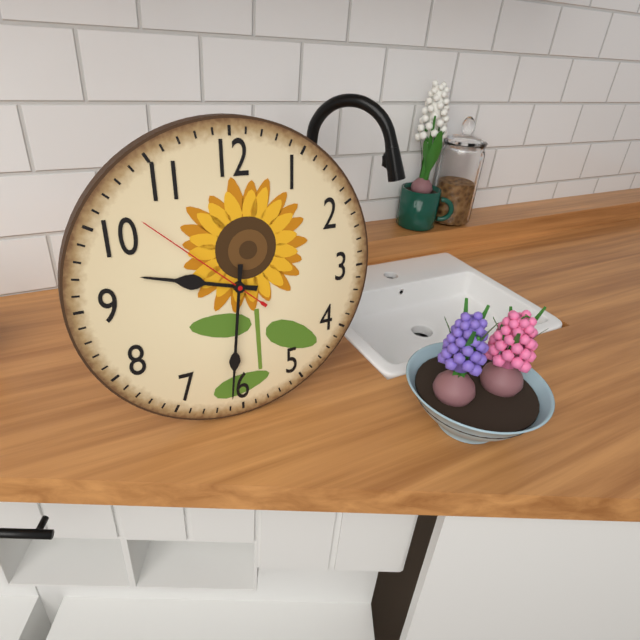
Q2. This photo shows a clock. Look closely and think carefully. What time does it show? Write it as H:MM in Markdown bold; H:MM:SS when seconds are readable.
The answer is **9:31:52**
